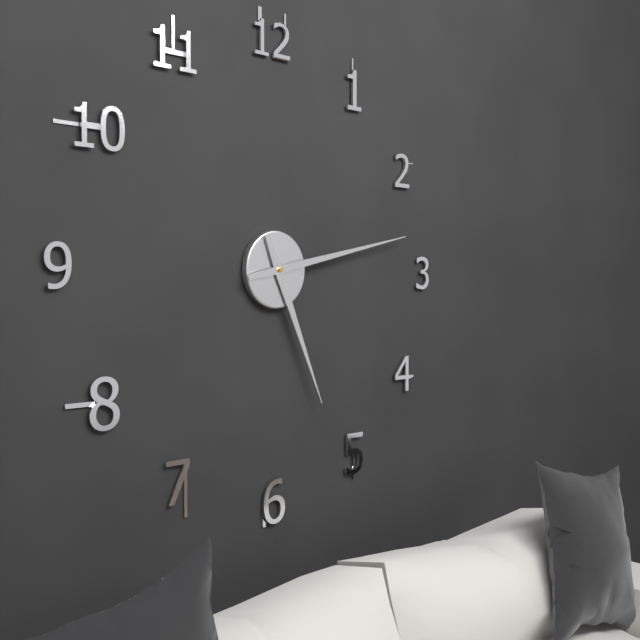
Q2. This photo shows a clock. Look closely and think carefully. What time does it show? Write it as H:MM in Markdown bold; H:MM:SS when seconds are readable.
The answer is **5:13**
